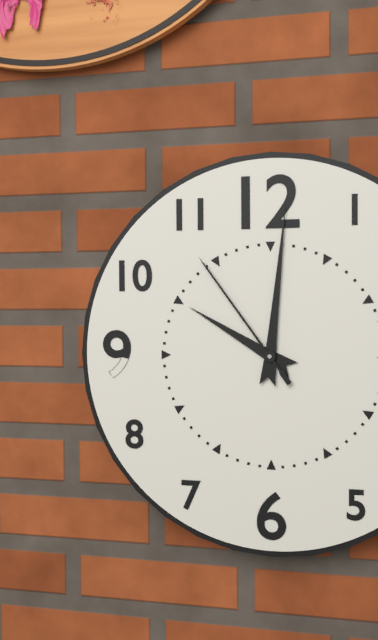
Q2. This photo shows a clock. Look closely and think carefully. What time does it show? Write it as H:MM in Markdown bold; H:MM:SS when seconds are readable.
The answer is **10:01:54**
